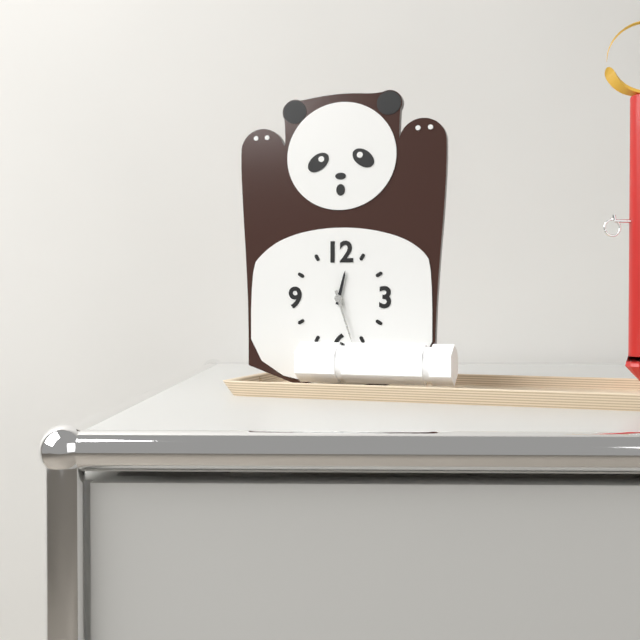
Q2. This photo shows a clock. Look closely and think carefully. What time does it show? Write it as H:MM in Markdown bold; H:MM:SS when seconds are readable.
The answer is **12:27**
